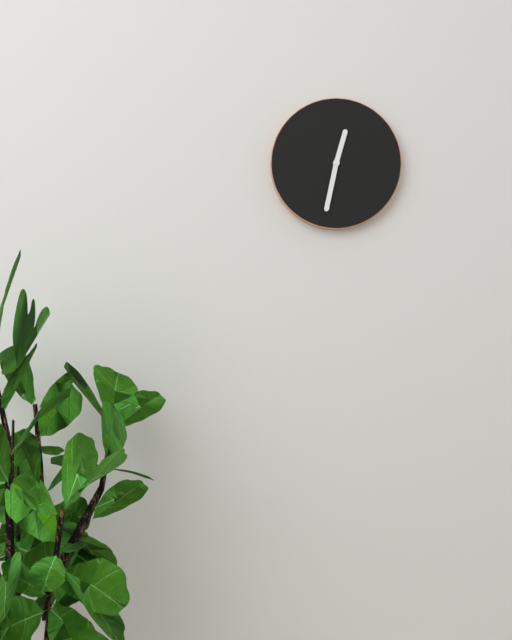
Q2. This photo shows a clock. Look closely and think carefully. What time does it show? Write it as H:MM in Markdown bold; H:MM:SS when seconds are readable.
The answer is **12:32**
